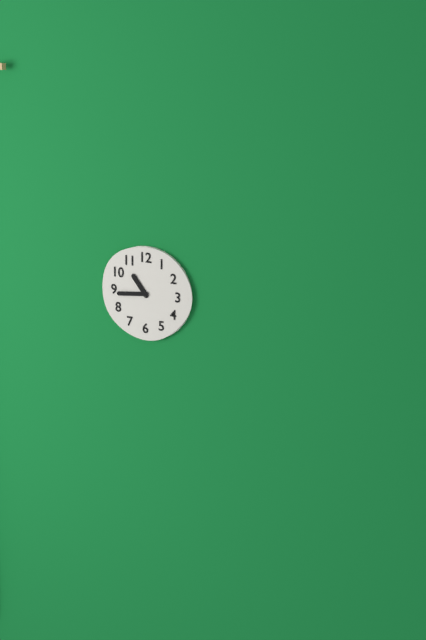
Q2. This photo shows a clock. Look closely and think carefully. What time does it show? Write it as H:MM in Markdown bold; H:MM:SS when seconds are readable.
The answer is **10:44**
